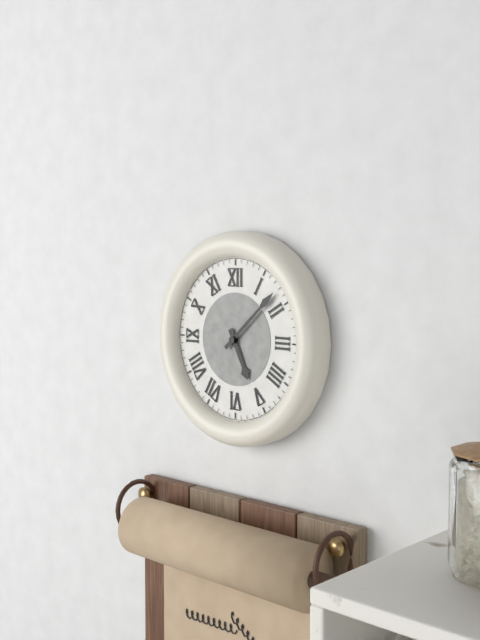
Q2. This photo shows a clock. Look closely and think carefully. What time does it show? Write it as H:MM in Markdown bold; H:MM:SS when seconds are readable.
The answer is **5:08**
